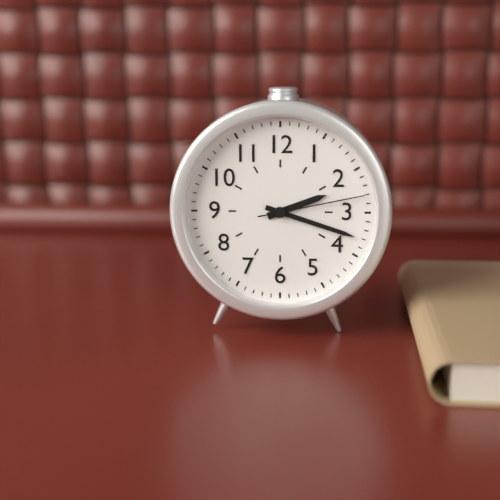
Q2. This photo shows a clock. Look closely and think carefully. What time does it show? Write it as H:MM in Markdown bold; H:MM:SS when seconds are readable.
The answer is **2:18:13**
